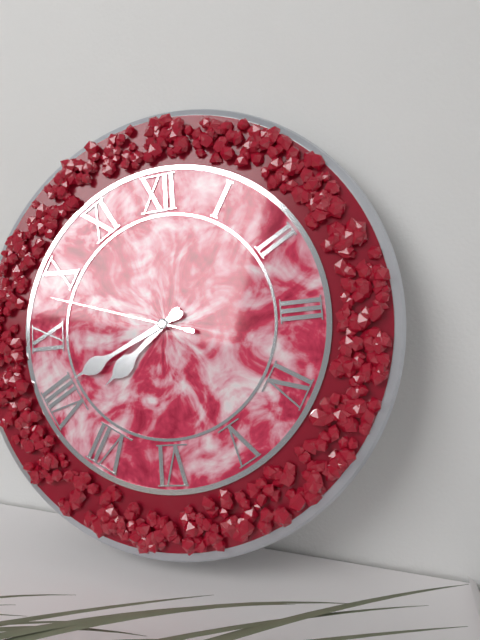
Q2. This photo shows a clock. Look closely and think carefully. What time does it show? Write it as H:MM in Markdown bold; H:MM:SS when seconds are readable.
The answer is **7:41:48**
